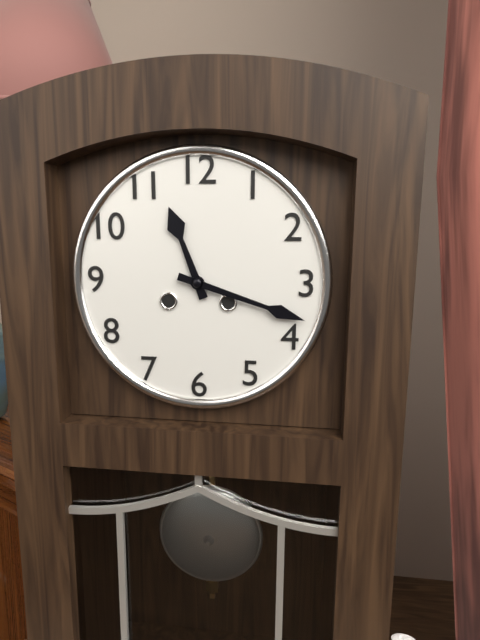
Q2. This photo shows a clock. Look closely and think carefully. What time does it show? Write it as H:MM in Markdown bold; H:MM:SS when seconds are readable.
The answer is **11:18**
